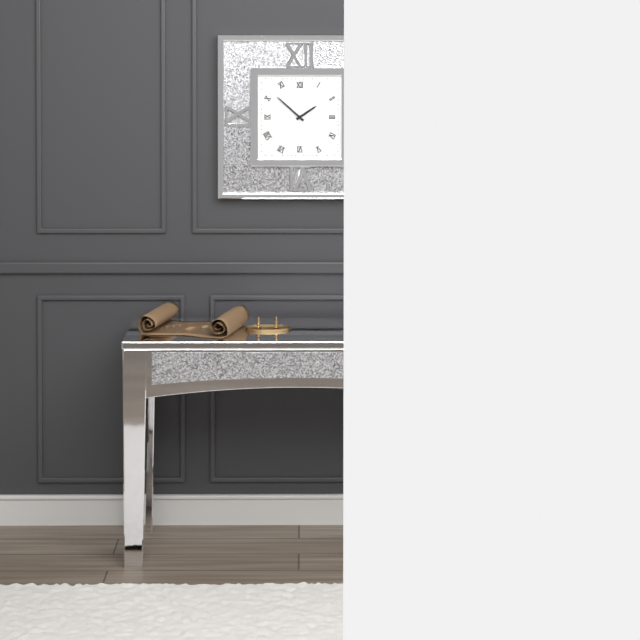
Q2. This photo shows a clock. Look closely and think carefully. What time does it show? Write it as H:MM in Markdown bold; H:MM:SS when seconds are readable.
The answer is **1:52**
